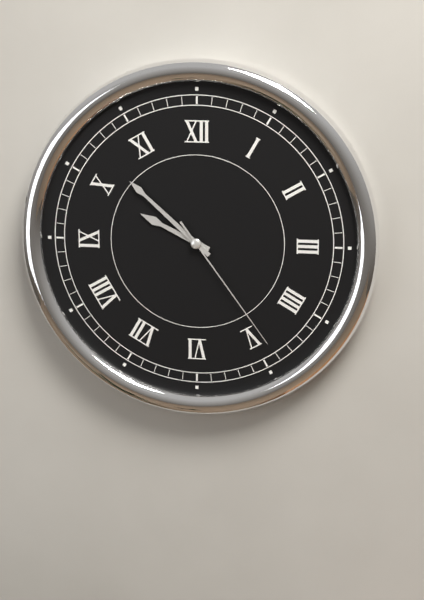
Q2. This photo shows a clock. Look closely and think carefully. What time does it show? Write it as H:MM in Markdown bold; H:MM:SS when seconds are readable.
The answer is **9:52:24**
